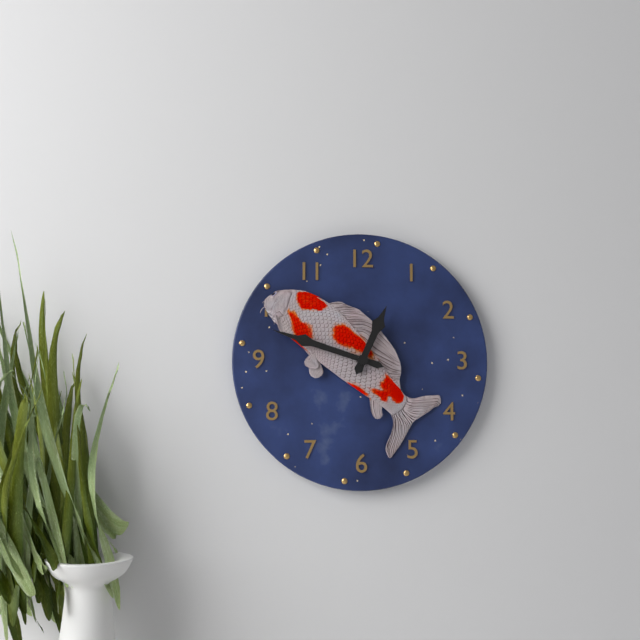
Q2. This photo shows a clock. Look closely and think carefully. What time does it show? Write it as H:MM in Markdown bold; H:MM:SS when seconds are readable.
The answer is **12:48**
